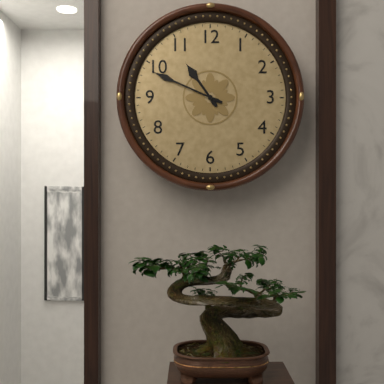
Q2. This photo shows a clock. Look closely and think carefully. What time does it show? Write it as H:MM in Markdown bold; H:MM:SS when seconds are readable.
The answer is **10:49**
